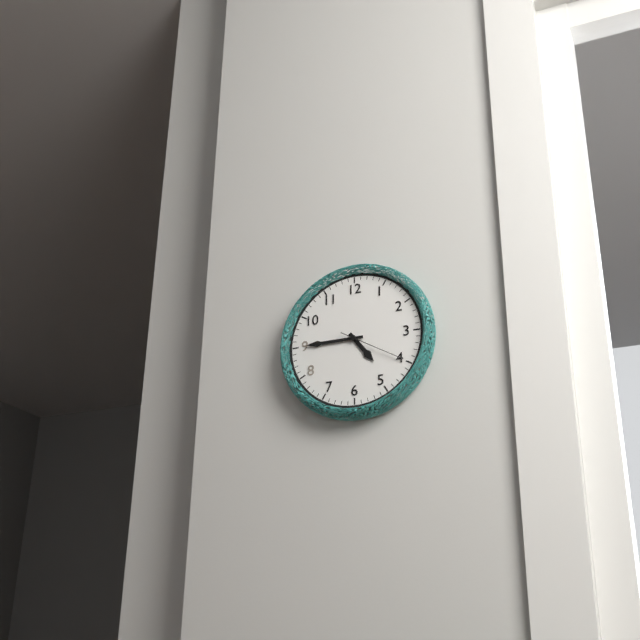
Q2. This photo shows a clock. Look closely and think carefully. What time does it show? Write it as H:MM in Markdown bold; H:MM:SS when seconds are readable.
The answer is **4:45:20**
